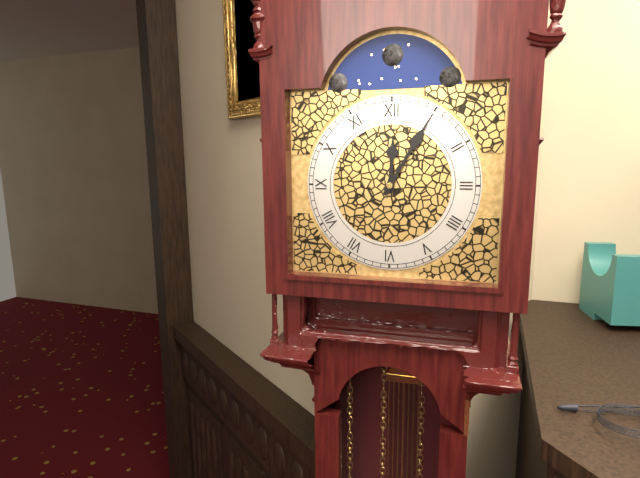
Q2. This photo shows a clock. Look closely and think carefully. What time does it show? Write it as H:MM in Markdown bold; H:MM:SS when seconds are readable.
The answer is **12:05**
